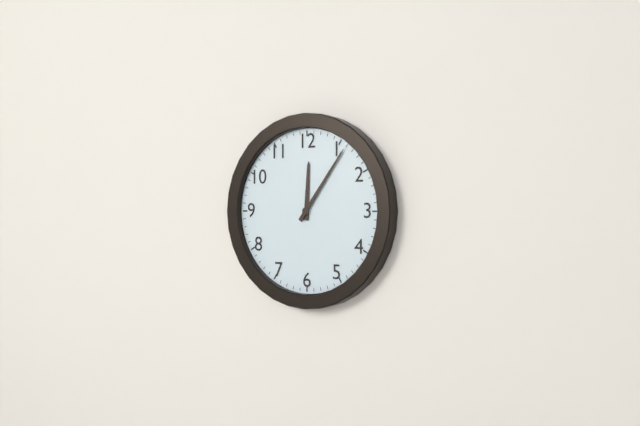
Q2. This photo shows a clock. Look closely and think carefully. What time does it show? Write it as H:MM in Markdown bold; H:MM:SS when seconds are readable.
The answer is **12:06**
